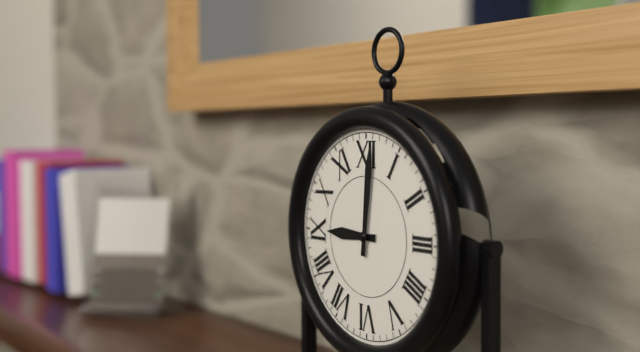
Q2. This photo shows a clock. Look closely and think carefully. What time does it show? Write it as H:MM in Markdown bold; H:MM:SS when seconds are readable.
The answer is **9:01**
